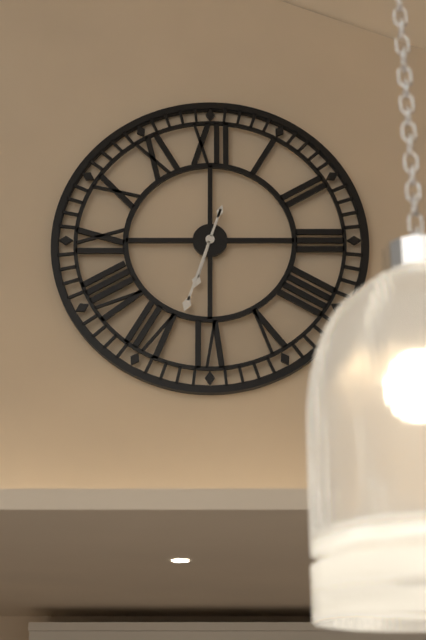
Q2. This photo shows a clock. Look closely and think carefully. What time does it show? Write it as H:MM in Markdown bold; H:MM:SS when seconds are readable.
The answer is **6:33**
